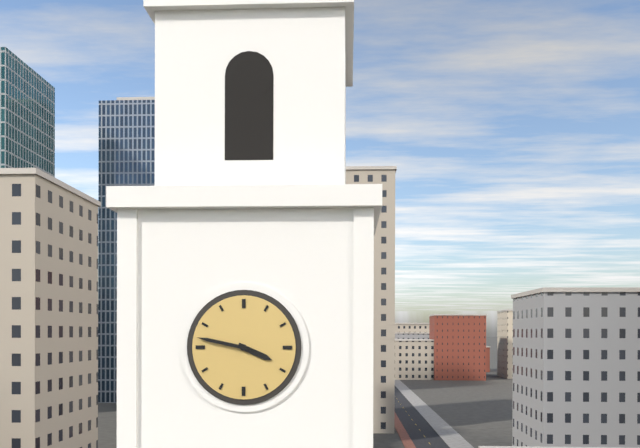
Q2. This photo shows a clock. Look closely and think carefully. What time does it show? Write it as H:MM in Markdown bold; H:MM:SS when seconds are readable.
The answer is **3:47**
